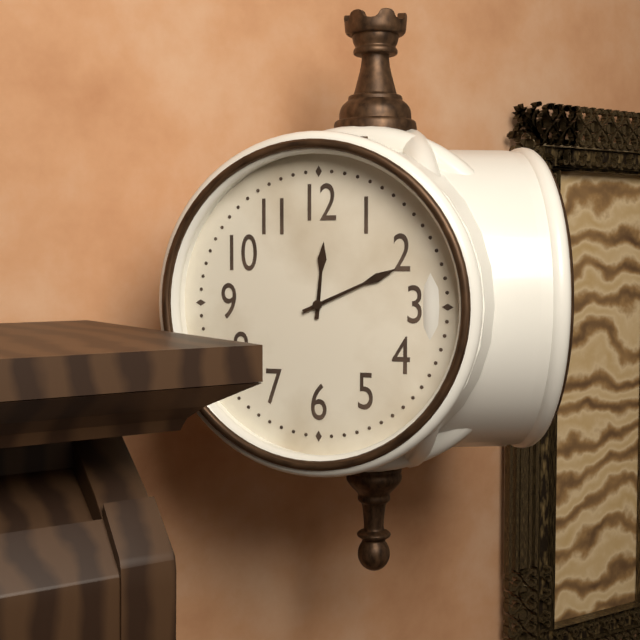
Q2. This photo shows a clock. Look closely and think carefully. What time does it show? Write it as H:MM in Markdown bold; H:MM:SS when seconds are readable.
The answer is **12:11**
